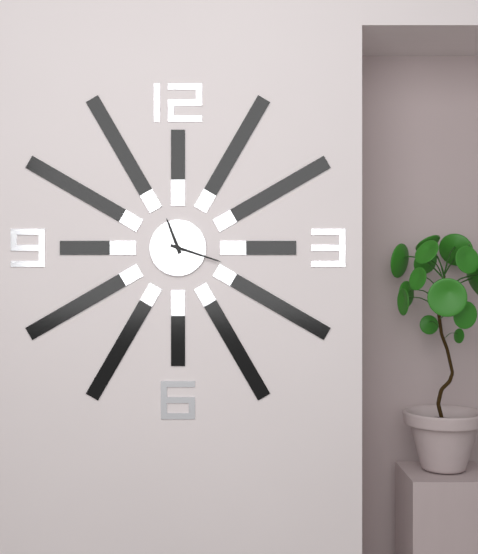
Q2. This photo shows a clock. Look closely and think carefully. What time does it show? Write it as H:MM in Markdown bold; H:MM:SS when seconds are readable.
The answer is **11:18**
